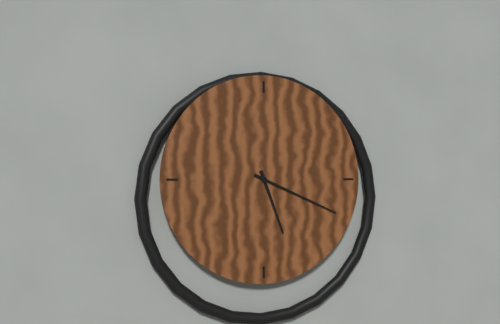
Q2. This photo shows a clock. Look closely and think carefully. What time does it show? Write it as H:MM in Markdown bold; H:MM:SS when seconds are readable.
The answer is **5:19**
